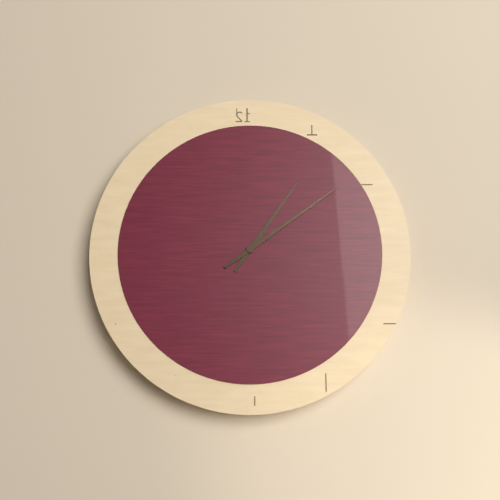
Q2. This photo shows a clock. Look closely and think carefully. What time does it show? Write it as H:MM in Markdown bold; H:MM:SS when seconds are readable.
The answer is **1:09**
